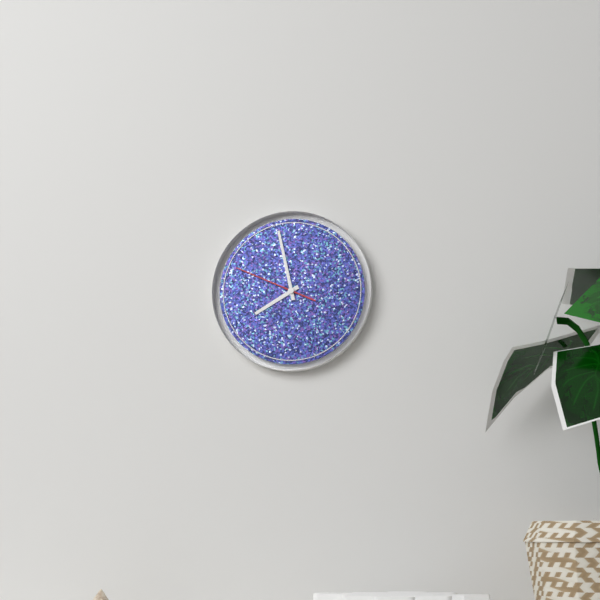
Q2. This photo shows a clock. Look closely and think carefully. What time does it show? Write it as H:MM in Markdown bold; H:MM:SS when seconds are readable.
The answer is **7:58:49**
